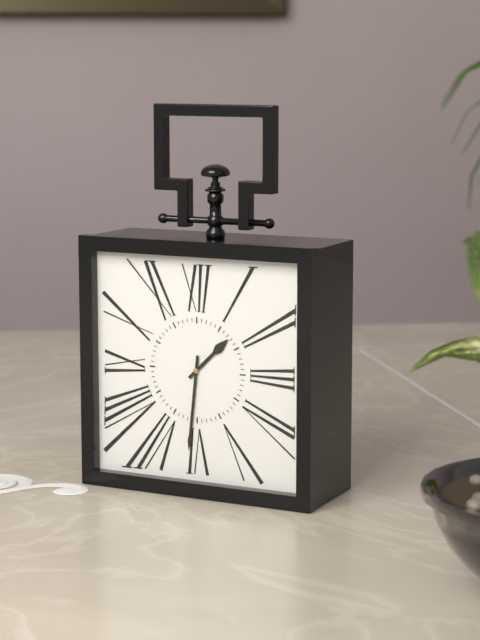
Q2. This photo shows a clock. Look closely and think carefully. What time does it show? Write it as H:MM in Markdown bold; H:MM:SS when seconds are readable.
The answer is **1:31**
